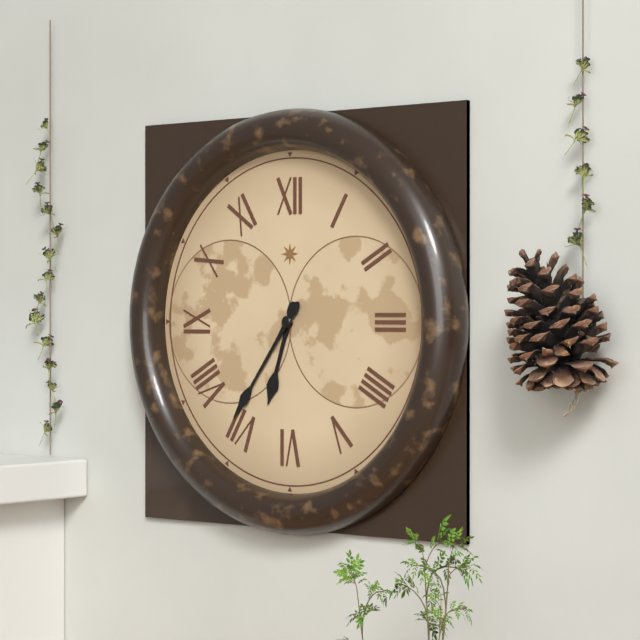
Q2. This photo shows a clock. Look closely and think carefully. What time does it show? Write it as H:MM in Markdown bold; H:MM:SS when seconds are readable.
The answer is **6:36**
